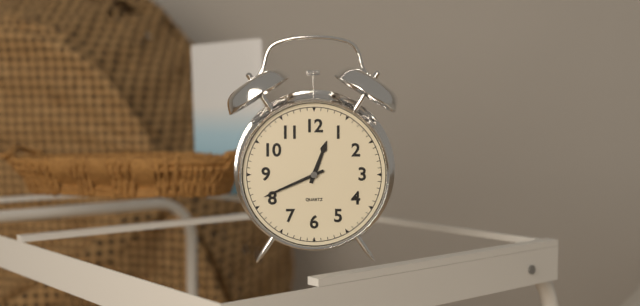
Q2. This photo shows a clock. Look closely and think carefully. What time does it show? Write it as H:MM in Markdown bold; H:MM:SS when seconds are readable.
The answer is **12:41**
